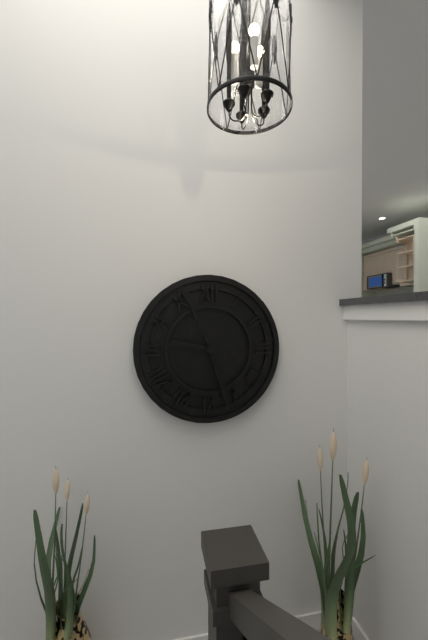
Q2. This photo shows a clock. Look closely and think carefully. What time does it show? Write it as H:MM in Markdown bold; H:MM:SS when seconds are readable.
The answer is **9:27:56**
